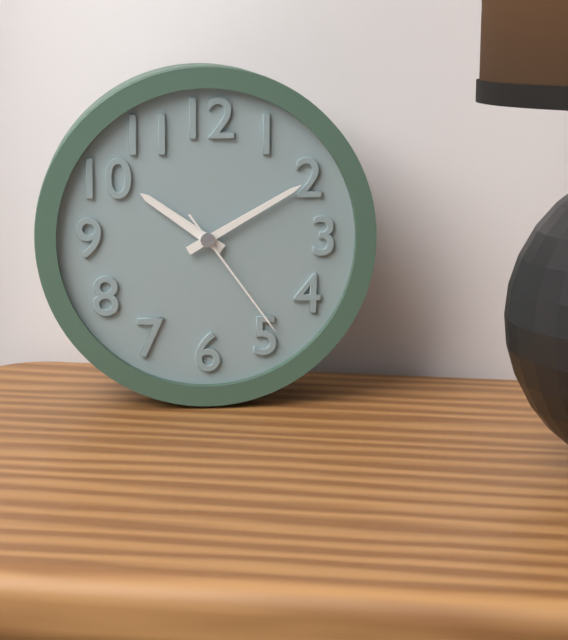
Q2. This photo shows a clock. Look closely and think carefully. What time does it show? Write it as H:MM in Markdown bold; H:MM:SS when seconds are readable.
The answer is **10:10:24**
